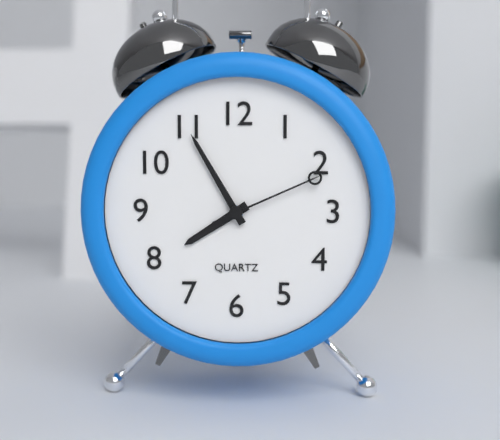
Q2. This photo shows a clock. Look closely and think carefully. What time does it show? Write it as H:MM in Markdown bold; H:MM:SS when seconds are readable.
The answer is **7:55:11**
